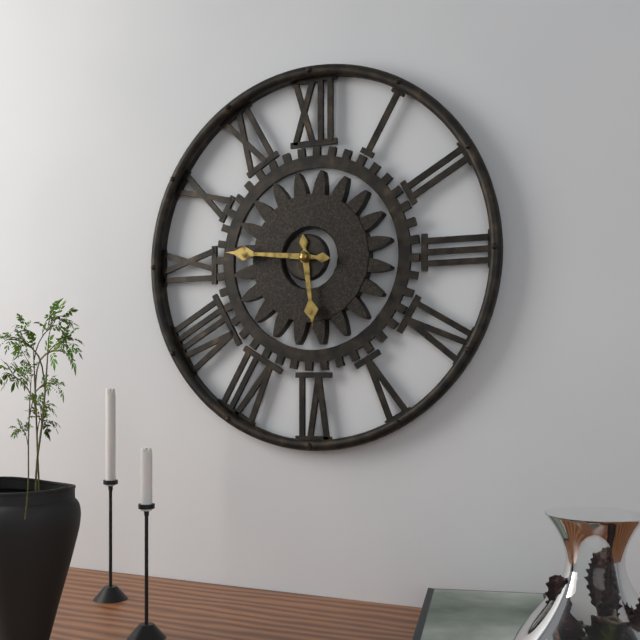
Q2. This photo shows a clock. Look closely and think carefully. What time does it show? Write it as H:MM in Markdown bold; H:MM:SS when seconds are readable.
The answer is **5:46**
